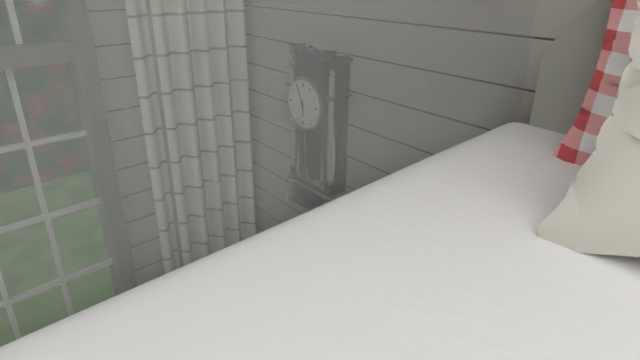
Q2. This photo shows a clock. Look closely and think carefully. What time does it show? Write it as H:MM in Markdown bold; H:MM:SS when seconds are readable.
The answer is **5:56**
